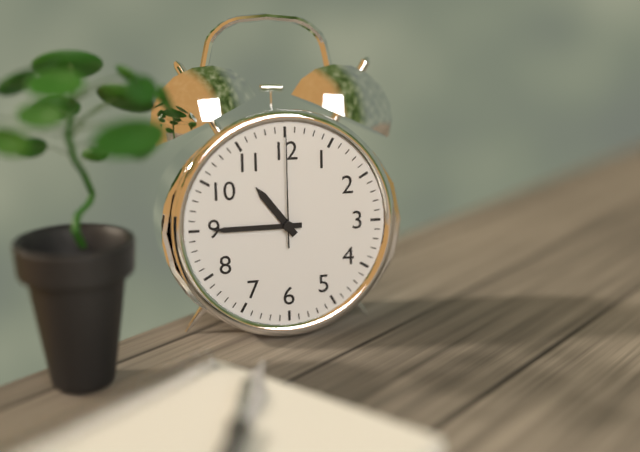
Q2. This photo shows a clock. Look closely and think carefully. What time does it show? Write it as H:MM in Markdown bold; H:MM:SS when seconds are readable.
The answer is **10:45:00**
